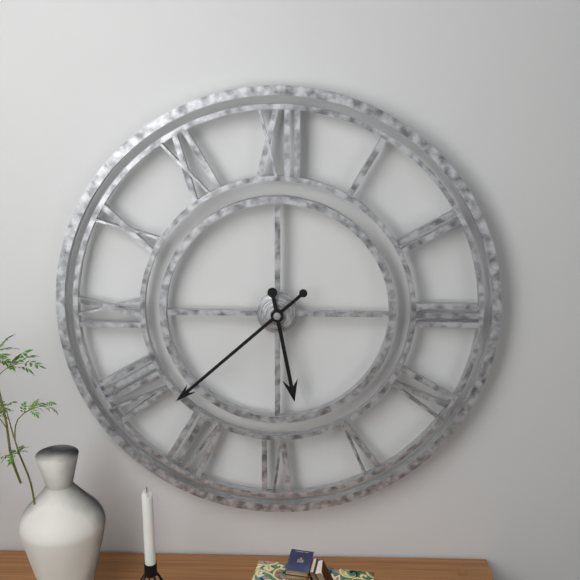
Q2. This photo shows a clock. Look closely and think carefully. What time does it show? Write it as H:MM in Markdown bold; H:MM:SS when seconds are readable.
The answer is **5:38**
